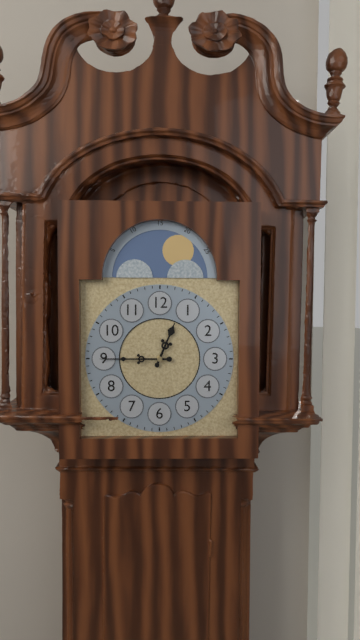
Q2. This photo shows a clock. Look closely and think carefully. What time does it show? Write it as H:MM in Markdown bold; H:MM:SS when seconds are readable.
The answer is **12:45**
